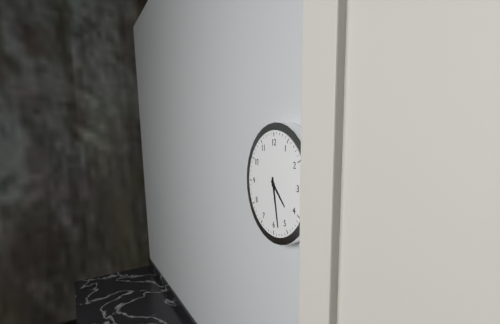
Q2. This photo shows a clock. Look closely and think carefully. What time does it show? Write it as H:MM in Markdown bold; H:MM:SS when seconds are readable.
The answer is **4:28**
